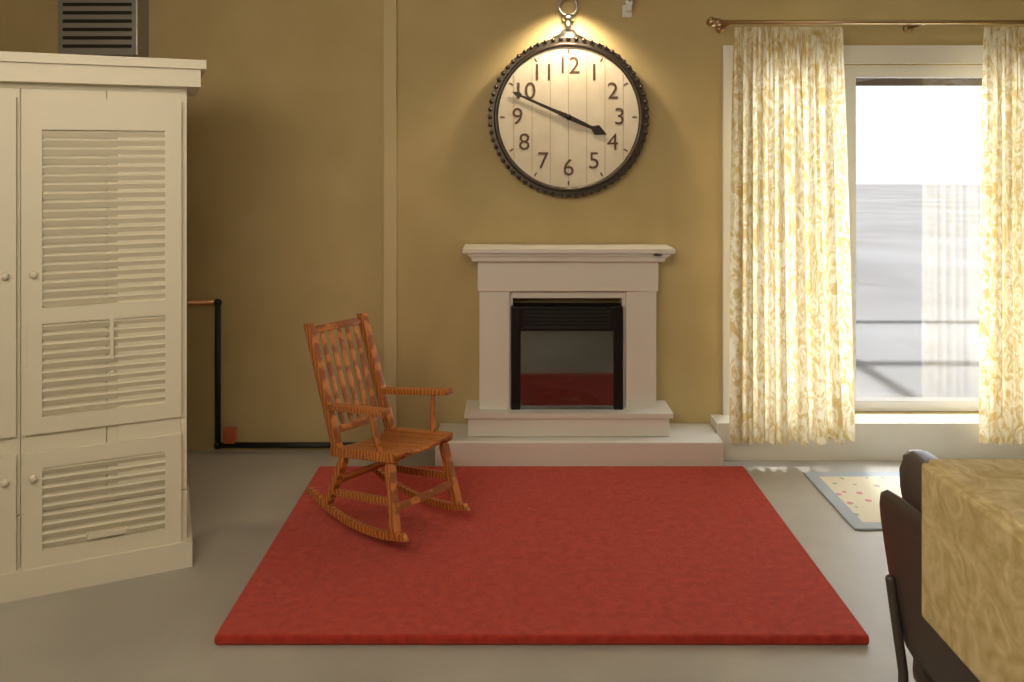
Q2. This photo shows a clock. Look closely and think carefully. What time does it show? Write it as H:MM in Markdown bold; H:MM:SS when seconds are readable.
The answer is **3:49**
